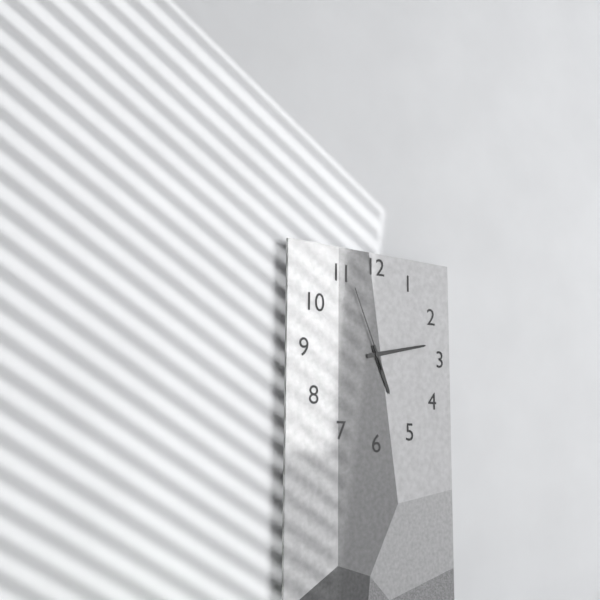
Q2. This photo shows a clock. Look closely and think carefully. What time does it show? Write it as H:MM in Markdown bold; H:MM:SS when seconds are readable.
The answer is **5:13:56**
